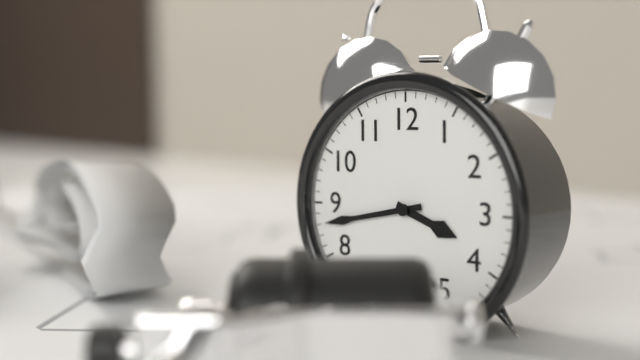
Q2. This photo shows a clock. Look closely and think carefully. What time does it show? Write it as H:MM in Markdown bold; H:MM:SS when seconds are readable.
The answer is **3:43**
